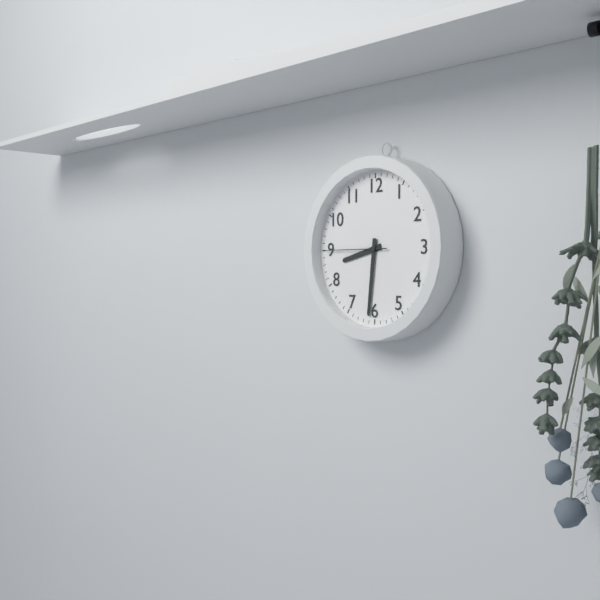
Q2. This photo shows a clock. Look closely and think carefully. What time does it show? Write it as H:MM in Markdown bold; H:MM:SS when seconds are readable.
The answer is **8:31:45**
